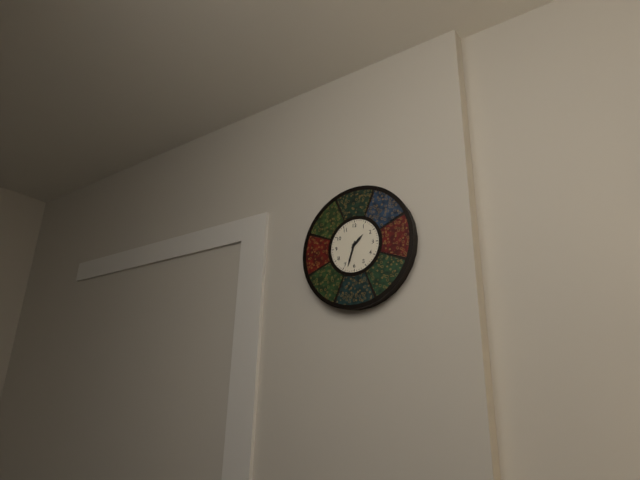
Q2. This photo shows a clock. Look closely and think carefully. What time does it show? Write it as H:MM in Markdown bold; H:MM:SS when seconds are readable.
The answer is **1:33**
